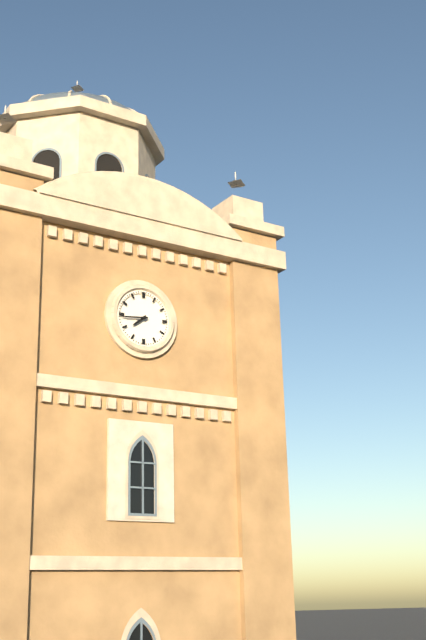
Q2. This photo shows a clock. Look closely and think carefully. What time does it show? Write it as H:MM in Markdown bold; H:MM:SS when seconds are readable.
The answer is **7:44**
